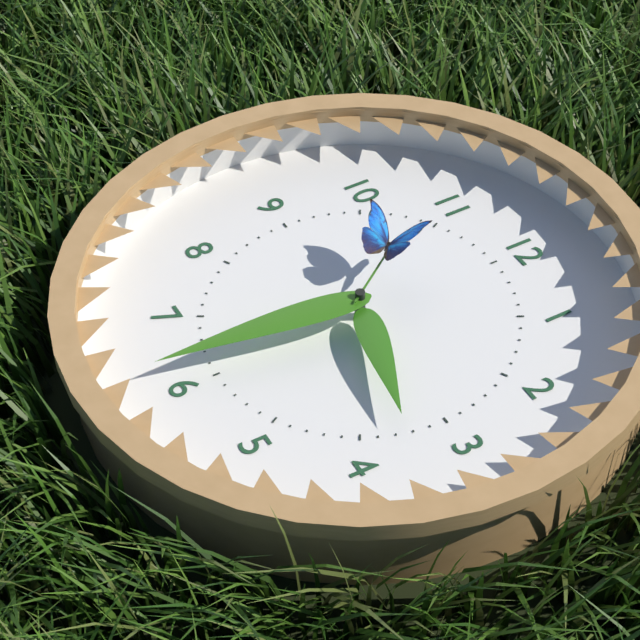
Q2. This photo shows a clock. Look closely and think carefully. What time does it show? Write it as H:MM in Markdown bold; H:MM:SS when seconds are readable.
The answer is **3:31:54**
